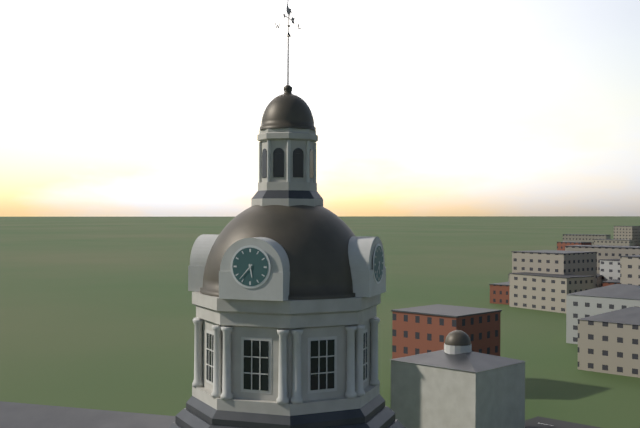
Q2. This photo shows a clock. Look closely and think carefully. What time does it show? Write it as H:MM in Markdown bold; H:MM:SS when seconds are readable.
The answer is **5:37**
